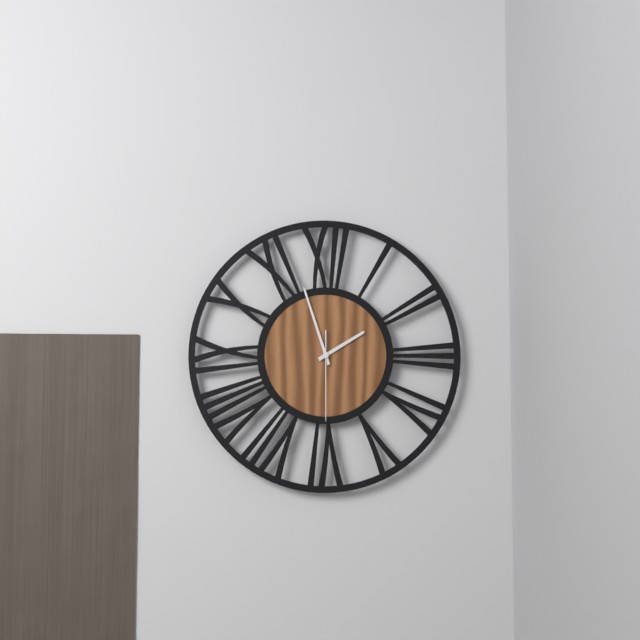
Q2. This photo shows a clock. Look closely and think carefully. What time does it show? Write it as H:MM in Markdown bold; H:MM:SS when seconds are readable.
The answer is **1:57:30**
